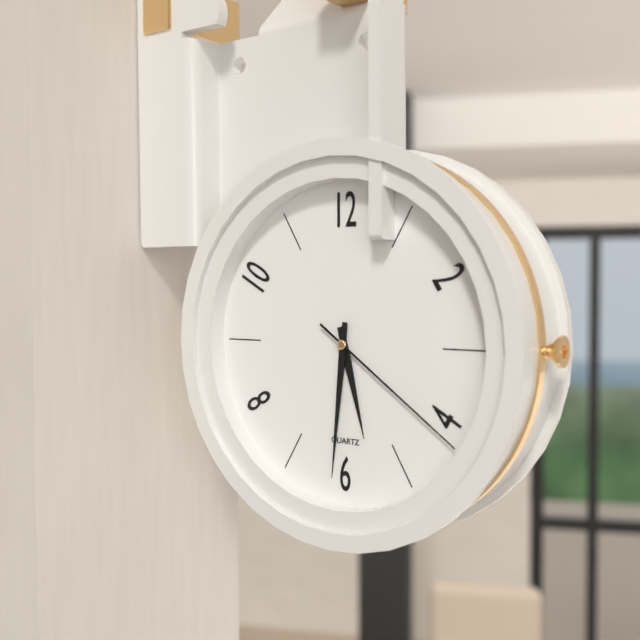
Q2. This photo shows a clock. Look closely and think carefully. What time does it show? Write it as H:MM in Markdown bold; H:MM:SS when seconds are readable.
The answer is **5:31:21**
